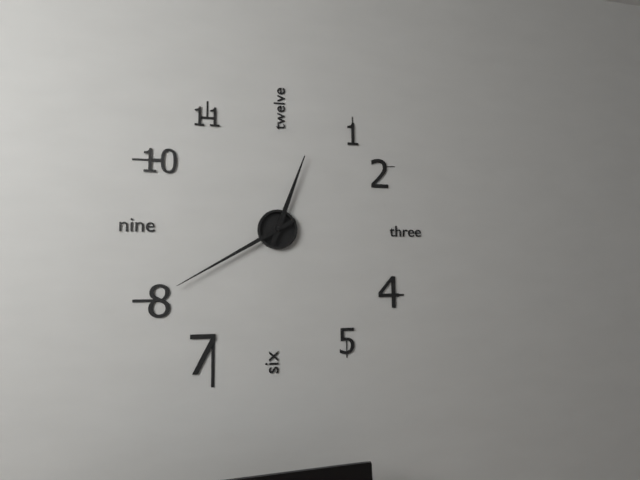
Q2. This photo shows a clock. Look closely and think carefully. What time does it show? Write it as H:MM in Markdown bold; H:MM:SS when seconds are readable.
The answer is **12:40**
